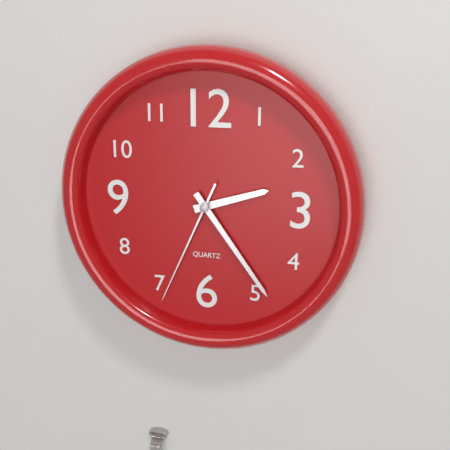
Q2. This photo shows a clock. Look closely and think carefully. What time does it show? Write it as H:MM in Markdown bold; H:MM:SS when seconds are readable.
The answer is **2:24:34**
